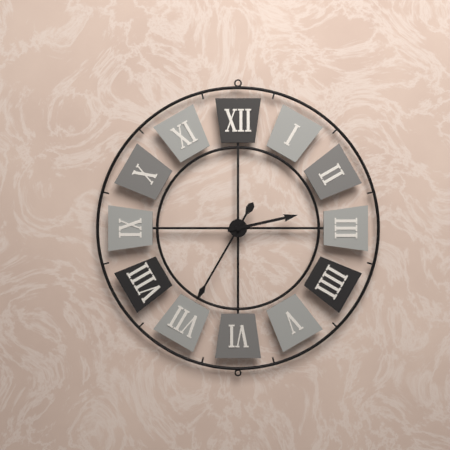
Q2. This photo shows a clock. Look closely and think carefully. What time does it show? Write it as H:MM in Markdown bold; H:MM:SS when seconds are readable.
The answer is **2:35**
